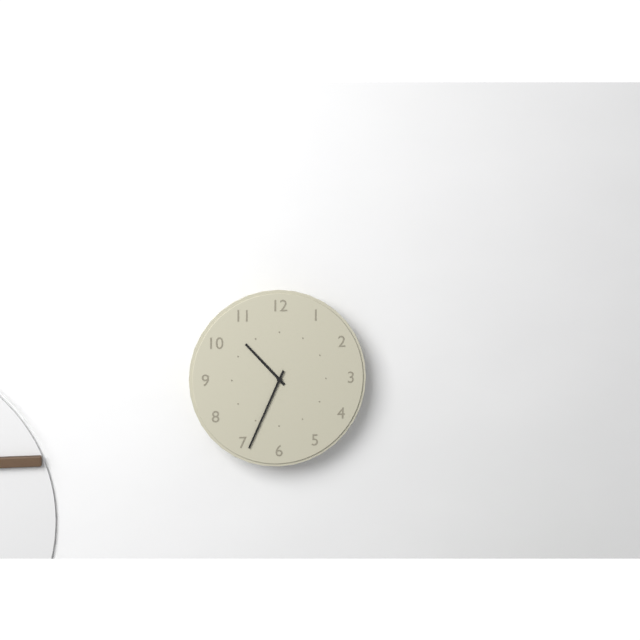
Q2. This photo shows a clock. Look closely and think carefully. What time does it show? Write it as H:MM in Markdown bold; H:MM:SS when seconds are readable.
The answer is **10:34**
